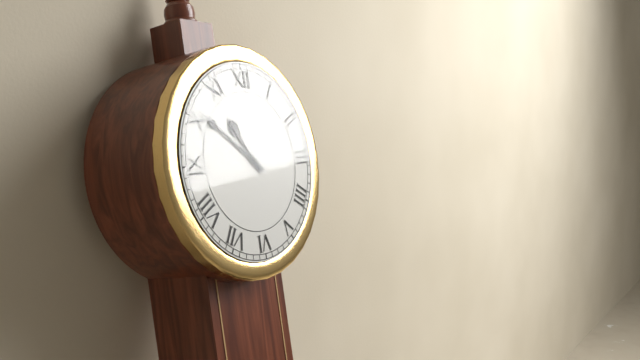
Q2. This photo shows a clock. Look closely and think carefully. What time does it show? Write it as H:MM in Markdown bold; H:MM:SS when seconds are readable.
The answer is **10:51**
